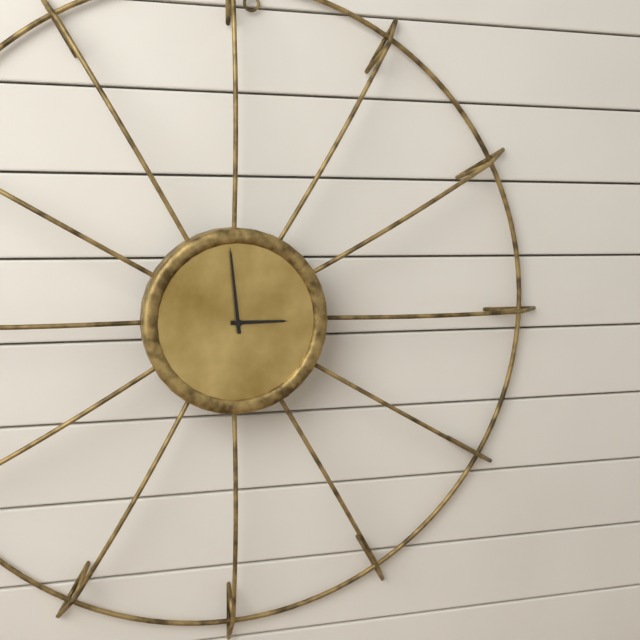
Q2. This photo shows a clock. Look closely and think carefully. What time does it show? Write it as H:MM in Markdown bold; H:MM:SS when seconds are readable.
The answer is **2:59**
